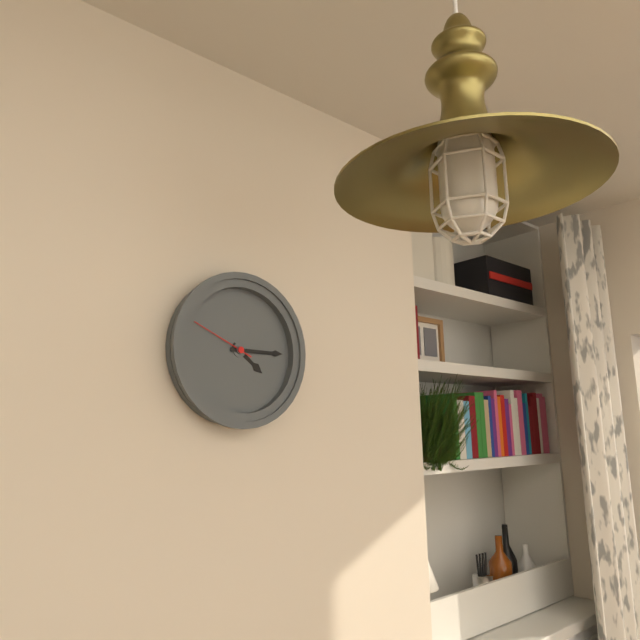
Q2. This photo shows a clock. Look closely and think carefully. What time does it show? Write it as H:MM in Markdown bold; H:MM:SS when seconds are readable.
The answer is **4:15:49**
